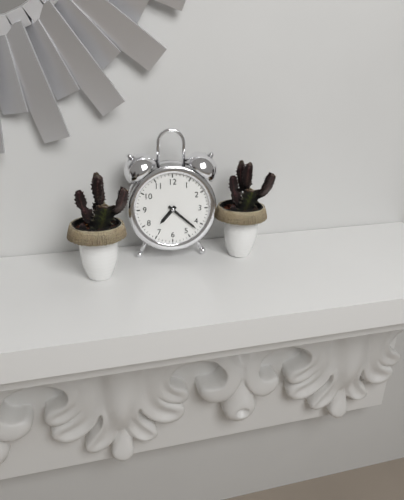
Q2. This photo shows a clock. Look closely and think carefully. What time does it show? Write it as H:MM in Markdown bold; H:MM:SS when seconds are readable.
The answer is **7:22**
